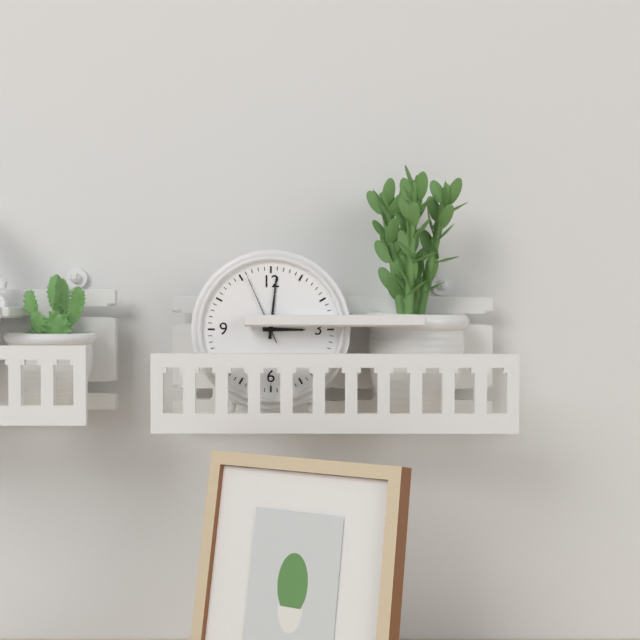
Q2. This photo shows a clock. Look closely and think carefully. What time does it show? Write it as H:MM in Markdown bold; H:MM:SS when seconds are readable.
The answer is **3:01:56**
